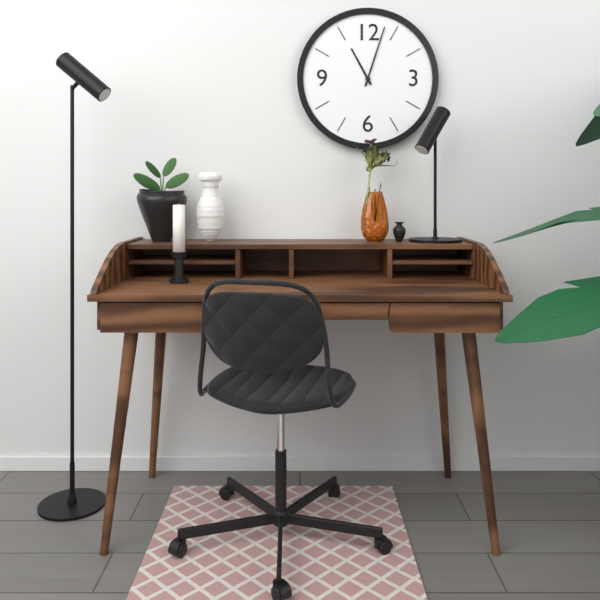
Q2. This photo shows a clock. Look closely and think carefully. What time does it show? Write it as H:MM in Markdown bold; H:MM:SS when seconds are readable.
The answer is **11:03**
